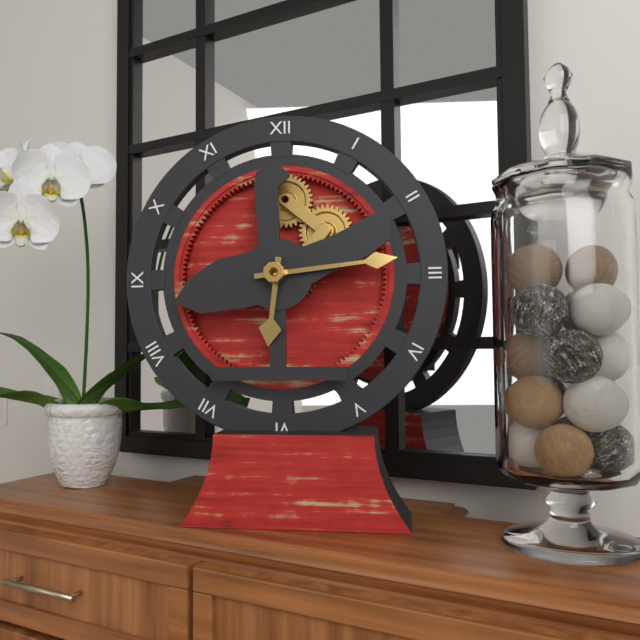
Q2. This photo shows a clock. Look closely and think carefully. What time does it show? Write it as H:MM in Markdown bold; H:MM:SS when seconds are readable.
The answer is **6:14**
